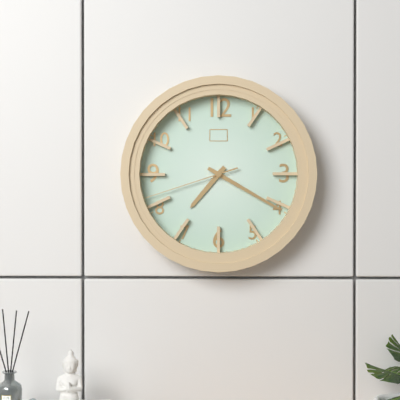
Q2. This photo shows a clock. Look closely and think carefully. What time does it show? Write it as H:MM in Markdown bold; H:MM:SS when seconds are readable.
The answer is **7:20:42**
